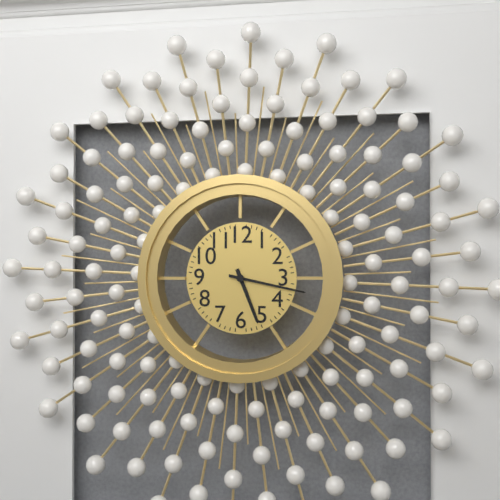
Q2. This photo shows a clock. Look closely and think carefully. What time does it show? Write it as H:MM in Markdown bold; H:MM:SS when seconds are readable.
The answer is **5:17**
